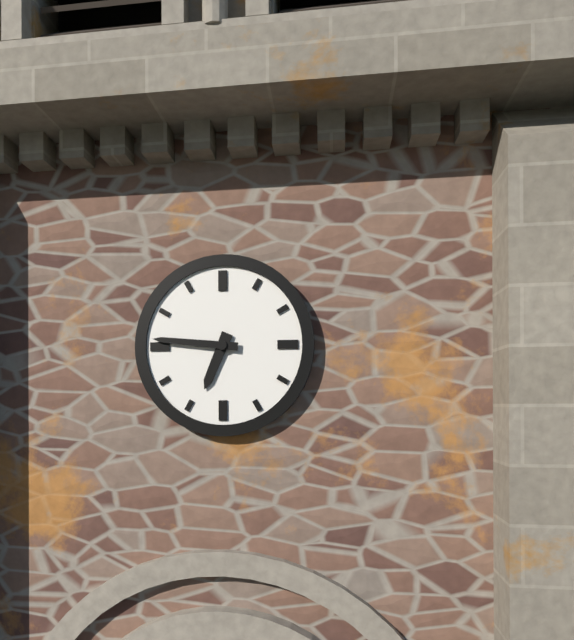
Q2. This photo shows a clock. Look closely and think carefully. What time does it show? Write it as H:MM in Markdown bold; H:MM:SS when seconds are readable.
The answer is **6:46**
